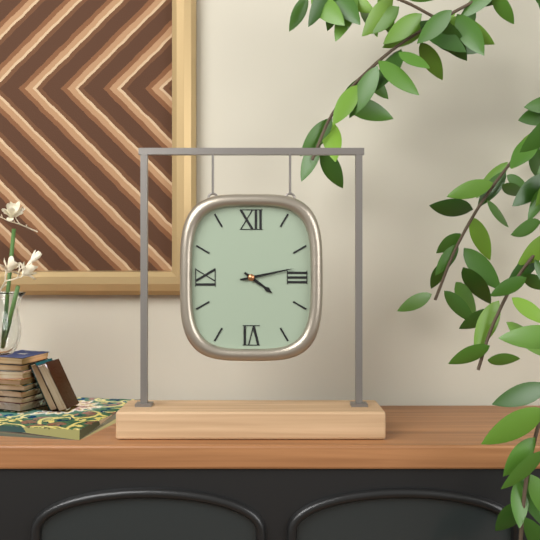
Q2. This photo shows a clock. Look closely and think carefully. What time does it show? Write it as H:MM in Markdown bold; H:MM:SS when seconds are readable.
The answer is **4:13**
